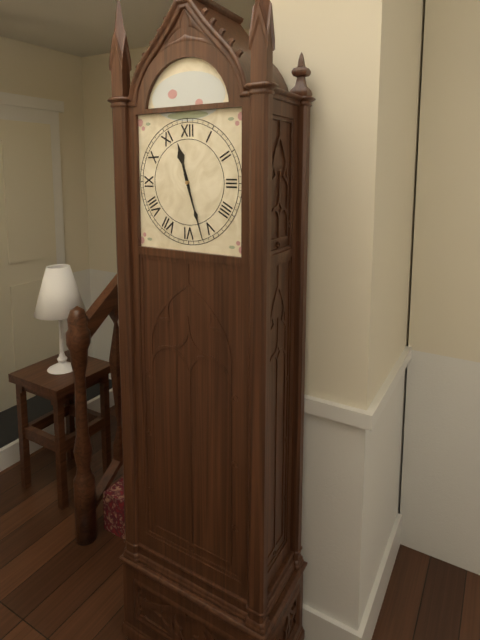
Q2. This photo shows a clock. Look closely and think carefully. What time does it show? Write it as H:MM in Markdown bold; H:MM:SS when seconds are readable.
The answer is **11:27**
